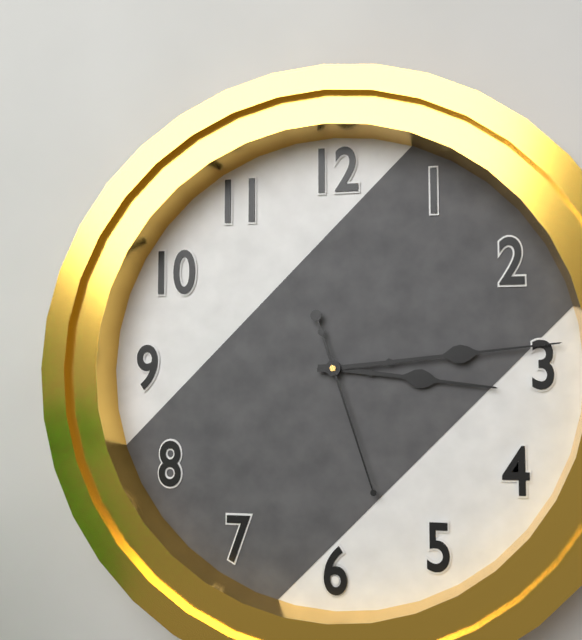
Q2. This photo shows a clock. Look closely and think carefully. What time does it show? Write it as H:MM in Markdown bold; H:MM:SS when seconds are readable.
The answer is **3:14:27**
